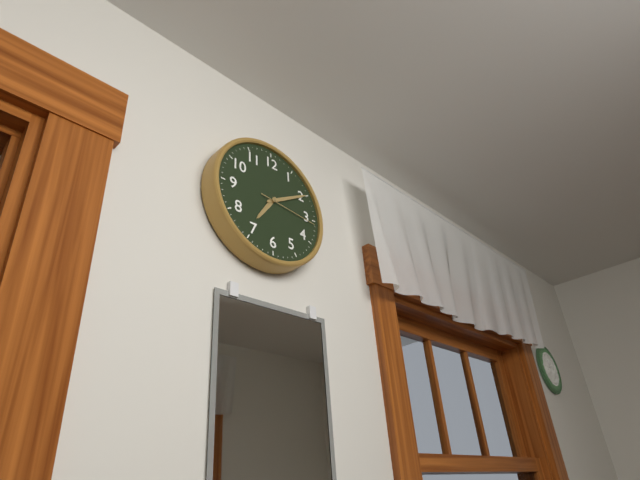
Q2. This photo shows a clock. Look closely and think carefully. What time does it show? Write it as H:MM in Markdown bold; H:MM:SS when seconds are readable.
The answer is **7:10:16**
